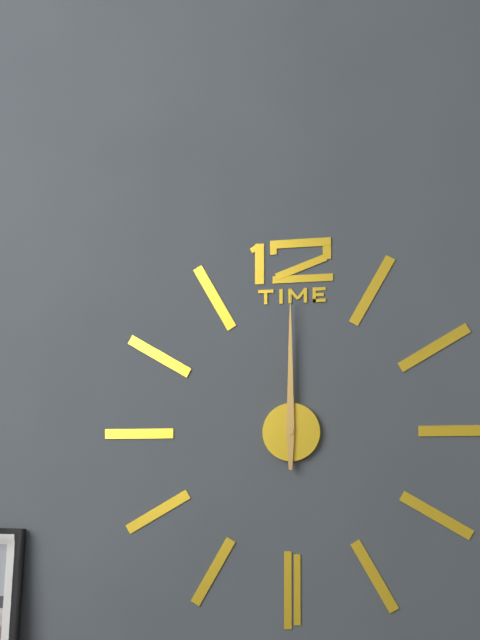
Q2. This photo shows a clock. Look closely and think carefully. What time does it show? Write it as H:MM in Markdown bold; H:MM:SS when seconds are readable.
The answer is **12:00**
